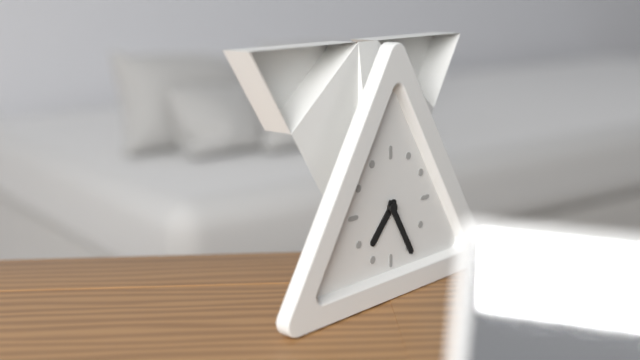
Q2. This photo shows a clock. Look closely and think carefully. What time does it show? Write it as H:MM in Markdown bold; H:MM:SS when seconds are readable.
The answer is **7:25**
